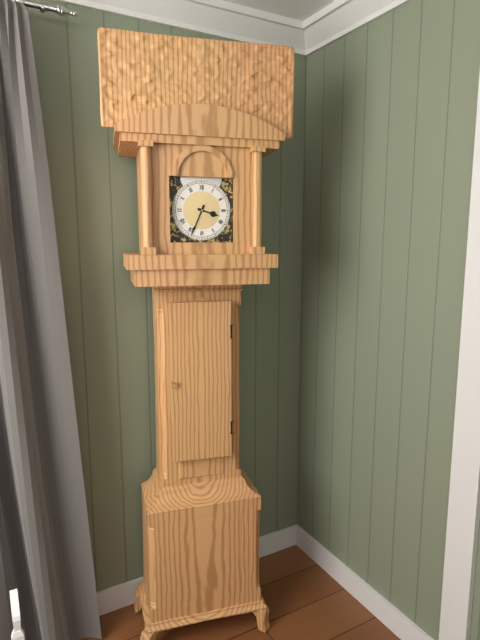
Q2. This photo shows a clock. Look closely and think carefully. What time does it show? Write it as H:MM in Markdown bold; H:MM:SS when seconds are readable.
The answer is **3:34**
